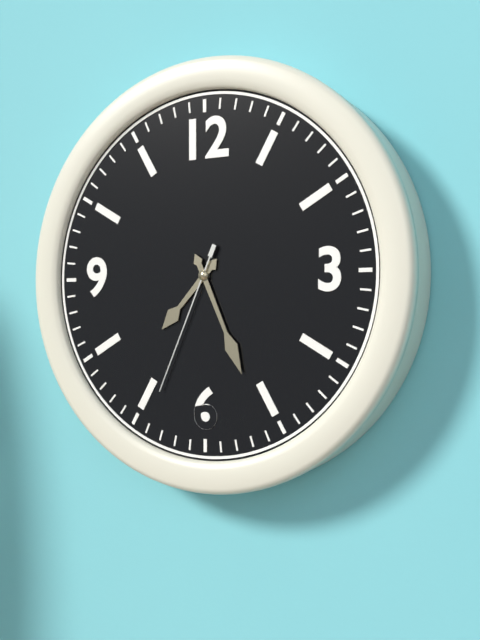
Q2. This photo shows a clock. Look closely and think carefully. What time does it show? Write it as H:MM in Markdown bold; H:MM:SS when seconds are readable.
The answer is **7:26:34**
